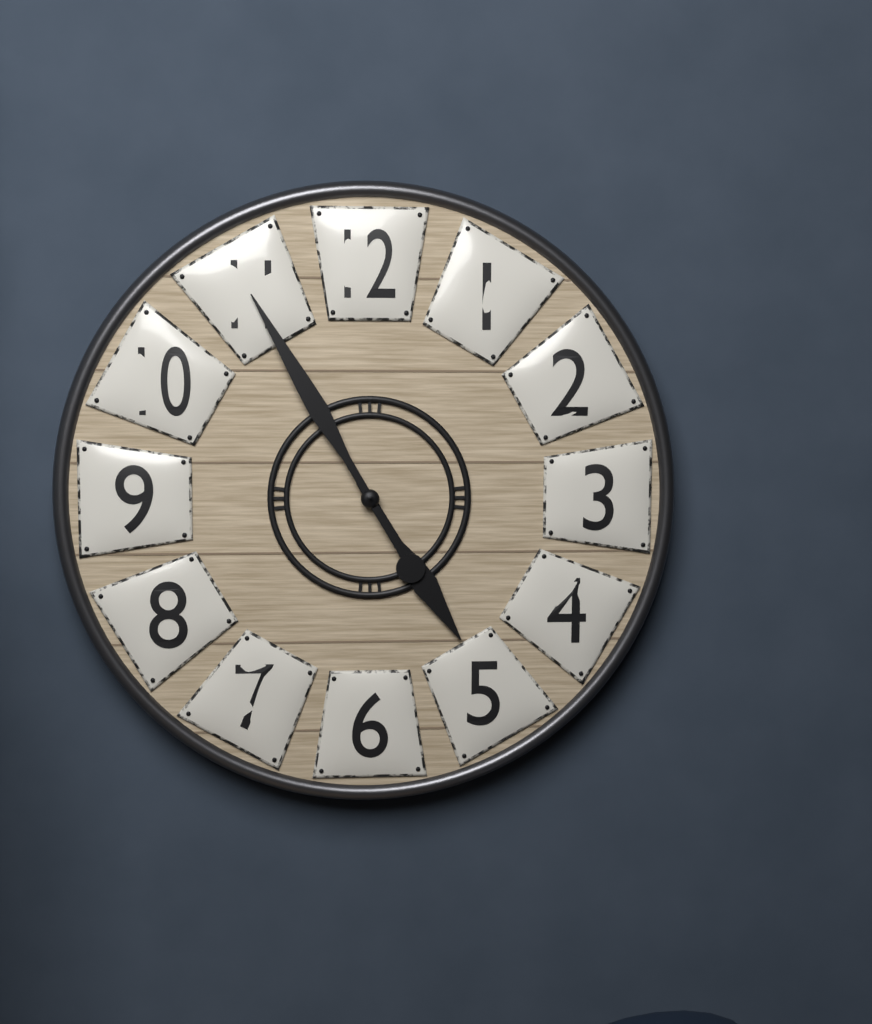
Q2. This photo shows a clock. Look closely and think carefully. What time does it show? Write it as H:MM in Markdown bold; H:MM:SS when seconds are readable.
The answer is **4:55**
